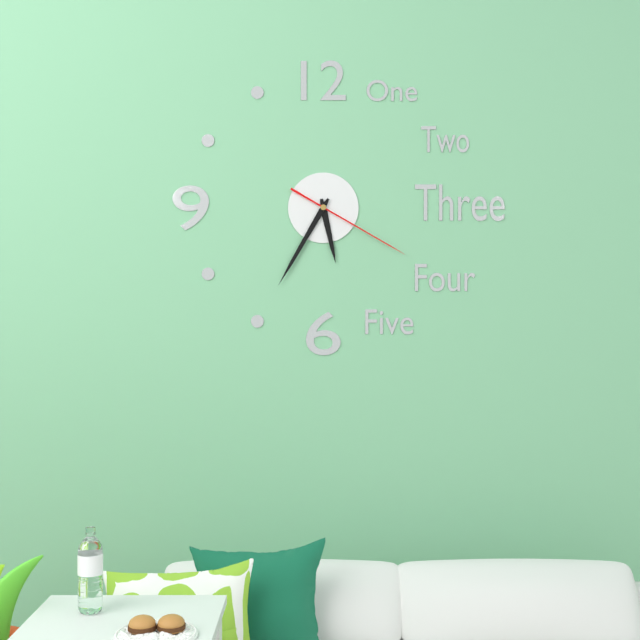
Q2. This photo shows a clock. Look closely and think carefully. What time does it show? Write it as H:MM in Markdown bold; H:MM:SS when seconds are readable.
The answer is **5:35:20**
